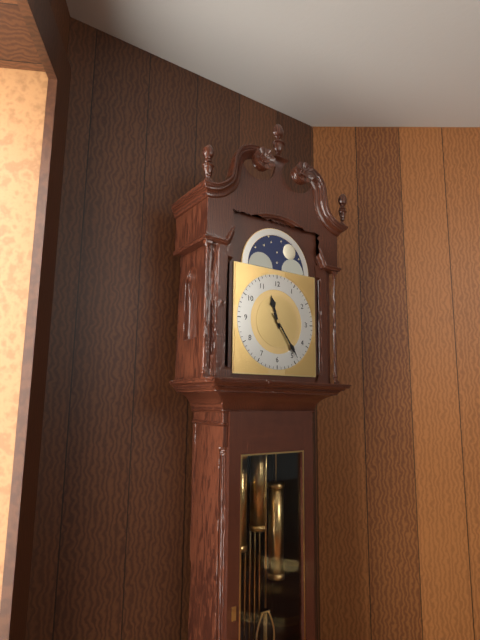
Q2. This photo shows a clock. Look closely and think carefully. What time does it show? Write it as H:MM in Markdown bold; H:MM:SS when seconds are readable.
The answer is **11:24**
